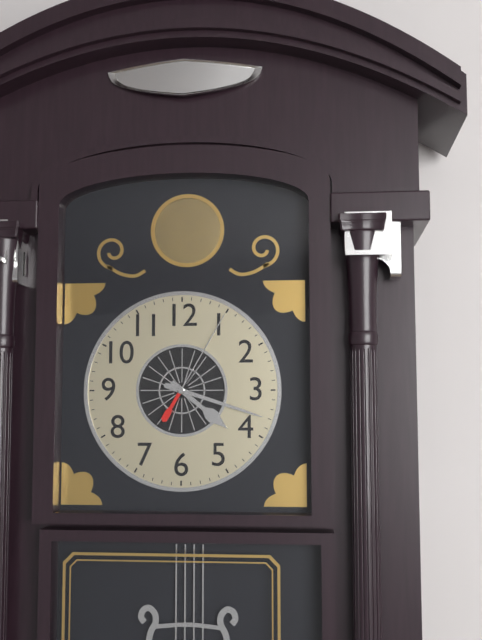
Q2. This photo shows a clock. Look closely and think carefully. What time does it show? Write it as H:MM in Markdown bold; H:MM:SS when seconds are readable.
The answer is **4:18:05**
